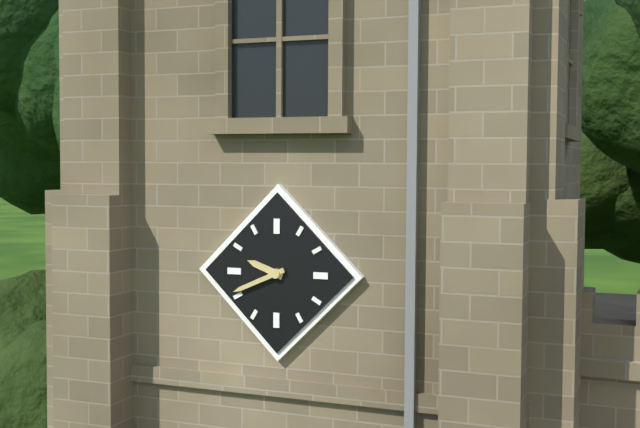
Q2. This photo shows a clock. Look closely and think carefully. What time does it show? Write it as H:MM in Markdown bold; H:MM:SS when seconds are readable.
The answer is **9:41**
